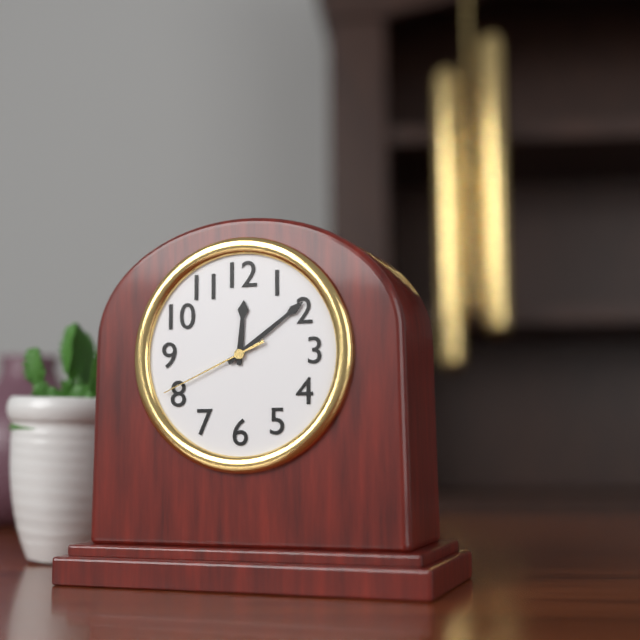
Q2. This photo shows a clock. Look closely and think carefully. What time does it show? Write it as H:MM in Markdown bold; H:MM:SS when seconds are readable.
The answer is **12:09:41**
